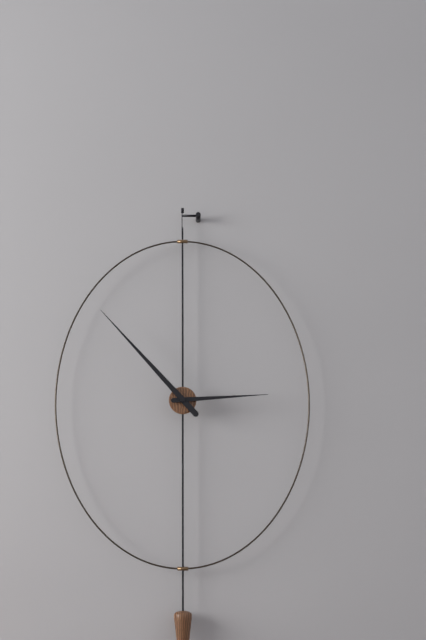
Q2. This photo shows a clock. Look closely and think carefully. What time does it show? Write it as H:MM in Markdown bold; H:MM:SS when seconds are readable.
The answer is **2:53**
